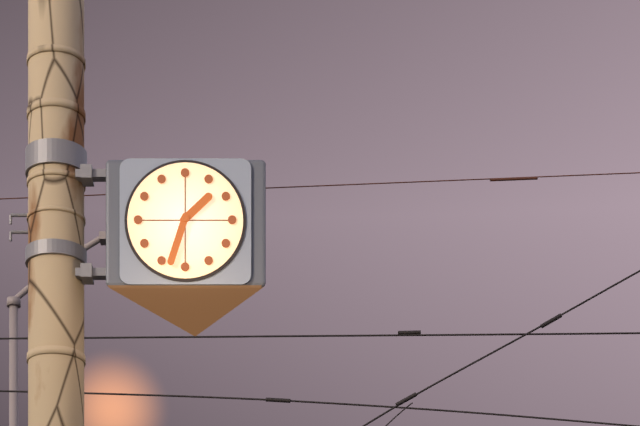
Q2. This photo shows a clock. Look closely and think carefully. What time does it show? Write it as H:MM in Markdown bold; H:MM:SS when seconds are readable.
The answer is **1:33**
